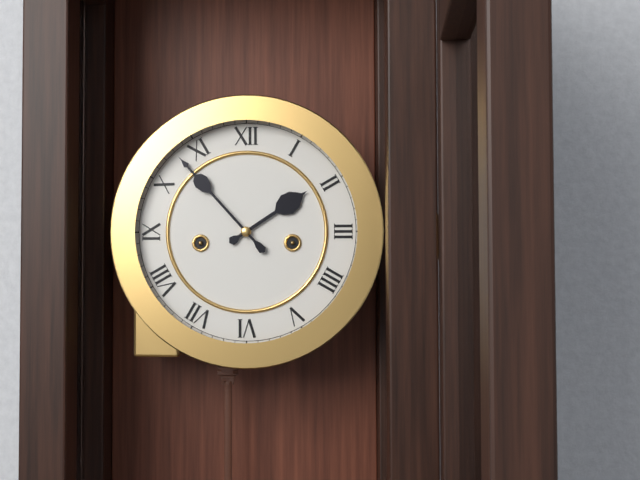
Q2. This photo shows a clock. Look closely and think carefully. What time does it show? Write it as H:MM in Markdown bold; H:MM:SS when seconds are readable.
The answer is **1:53**
